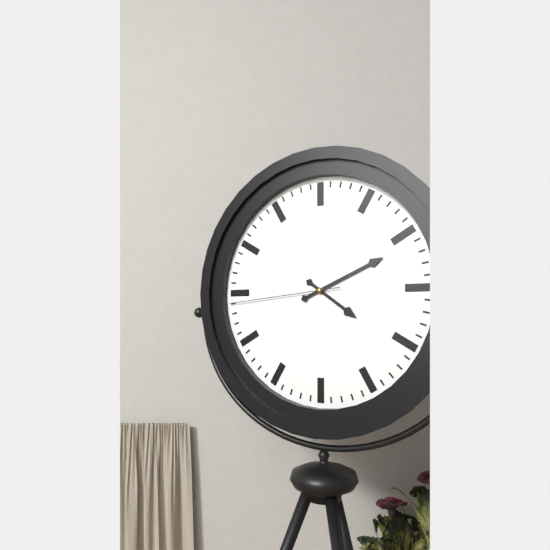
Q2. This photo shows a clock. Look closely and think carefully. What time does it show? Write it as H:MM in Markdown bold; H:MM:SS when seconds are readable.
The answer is **4:11:44**
